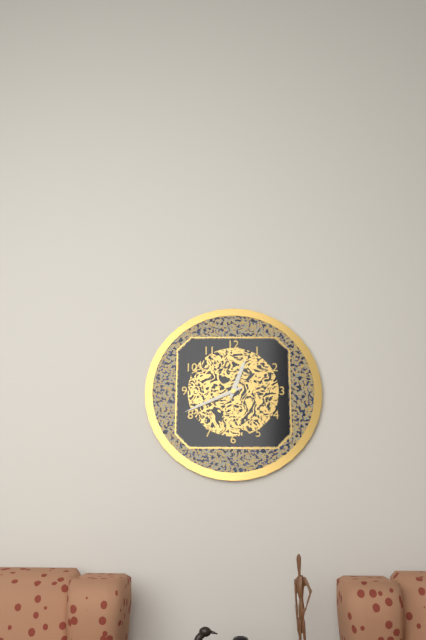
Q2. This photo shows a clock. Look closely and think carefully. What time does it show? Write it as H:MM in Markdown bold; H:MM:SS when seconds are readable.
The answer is **12:41**
